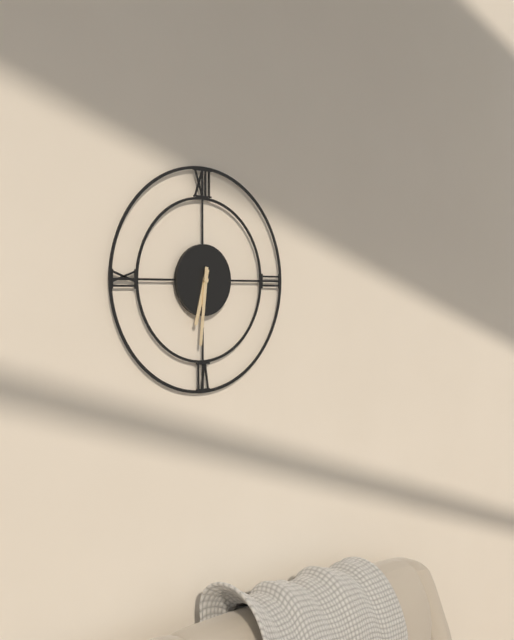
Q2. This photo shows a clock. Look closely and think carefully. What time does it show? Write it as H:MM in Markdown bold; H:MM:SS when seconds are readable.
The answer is **6:31**
